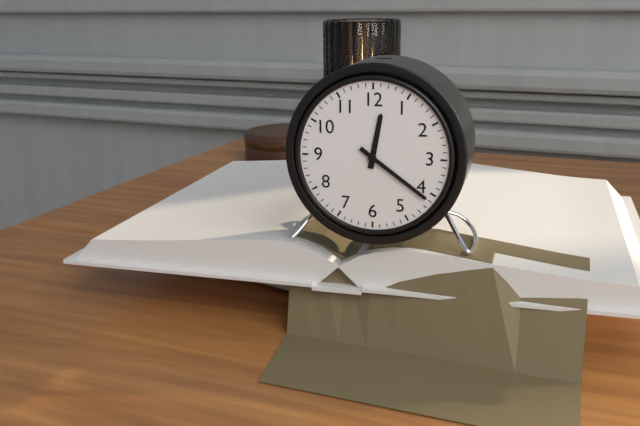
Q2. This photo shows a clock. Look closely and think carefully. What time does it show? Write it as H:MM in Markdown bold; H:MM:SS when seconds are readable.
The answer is **12:21**
